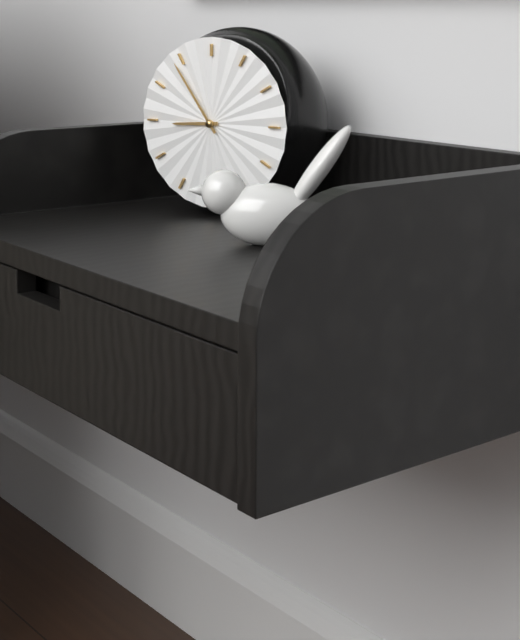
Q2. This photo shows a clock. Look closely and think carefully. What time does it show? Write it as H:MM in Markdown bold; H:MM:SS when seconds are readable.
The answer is **8:54**
